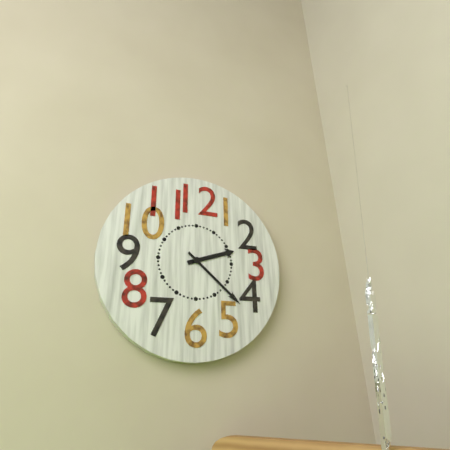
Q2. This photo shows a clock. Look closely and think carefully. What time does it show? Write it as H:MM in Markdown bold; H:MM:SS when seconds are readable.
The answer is **2:22**
